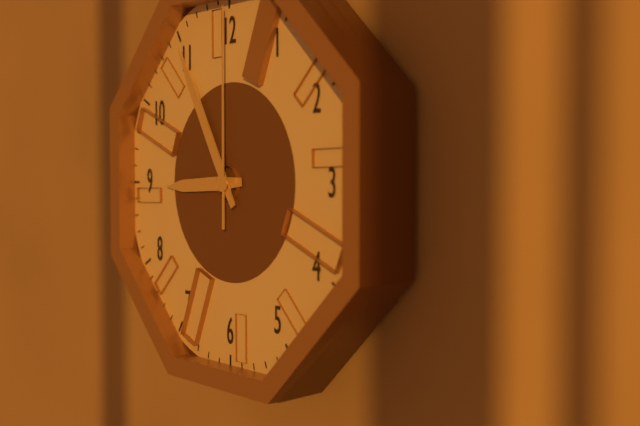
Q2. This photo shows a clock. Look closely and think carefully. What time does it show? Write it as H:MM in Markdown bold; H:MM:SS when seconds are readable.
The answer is **8:55:00**
